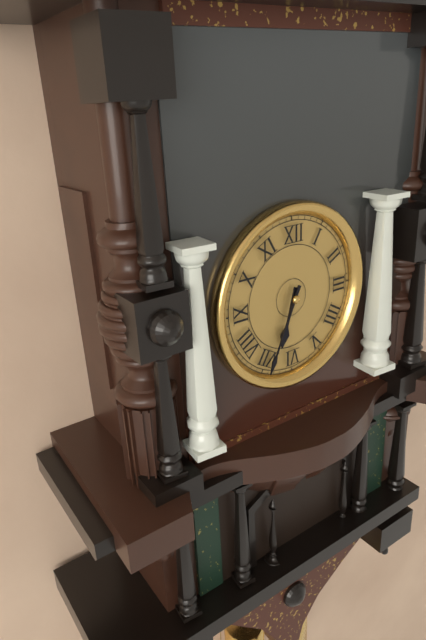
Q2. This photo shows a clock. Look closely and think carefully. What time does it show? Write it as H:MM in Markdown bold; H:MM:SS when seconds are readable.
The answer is **6:34**
